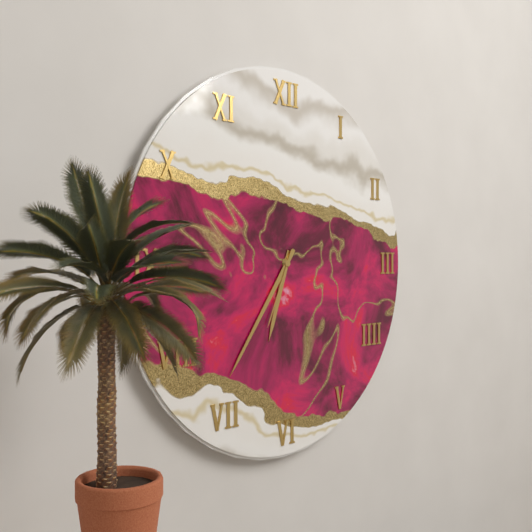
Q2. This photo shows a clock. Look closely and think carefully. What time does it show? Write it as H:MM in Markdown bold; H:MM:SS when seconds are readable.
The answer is **6:36:34**
